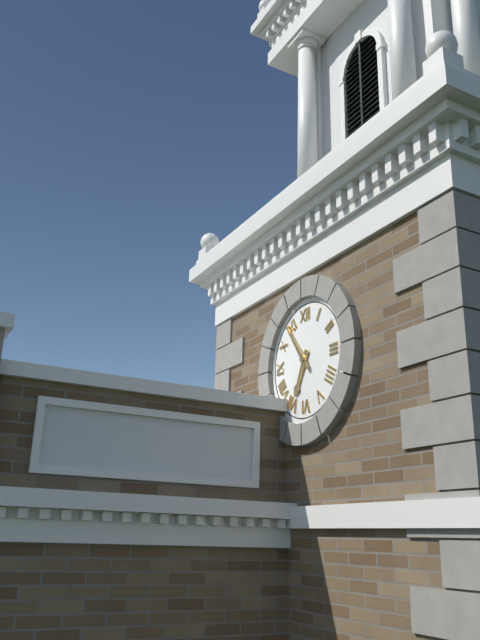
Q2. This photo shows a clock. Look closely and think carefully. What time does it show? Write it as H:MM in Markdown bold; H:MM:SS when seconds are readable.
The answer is **6:54**
